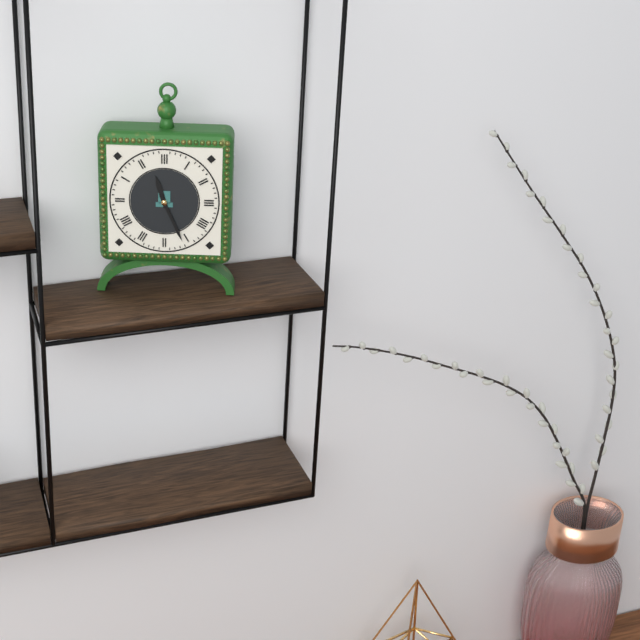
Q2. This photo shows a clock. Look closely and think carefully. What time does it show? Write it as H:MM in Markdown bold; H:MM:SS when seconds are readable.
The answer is **11:26**
